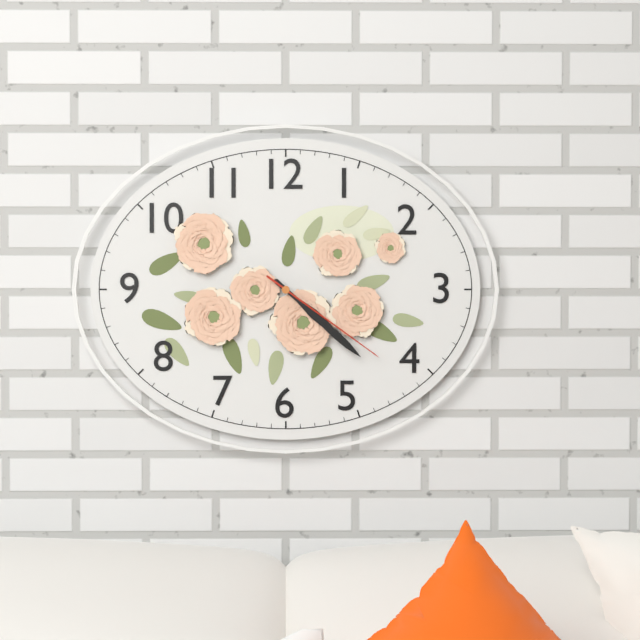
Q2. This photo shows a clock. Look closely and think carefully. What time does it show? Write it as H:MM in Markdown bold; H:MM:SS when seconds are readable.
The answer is **4:22:21**
